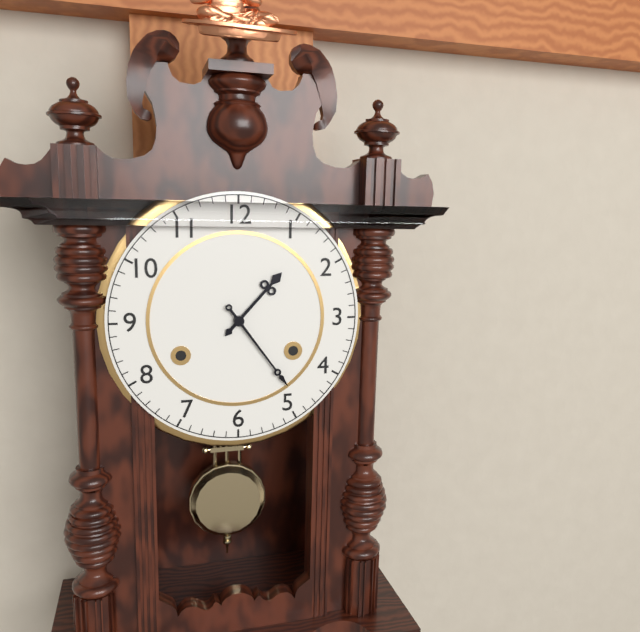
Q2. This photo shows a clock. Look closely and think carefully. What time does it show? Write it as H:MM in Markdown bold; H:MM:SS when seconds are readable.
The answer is **1:24**
